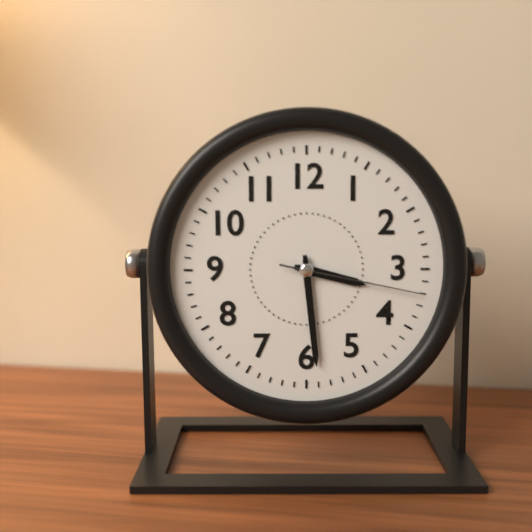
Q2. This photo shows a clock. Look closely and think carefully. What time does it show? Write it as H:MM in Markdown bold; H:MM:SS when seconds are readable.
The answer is **3:29:17**
